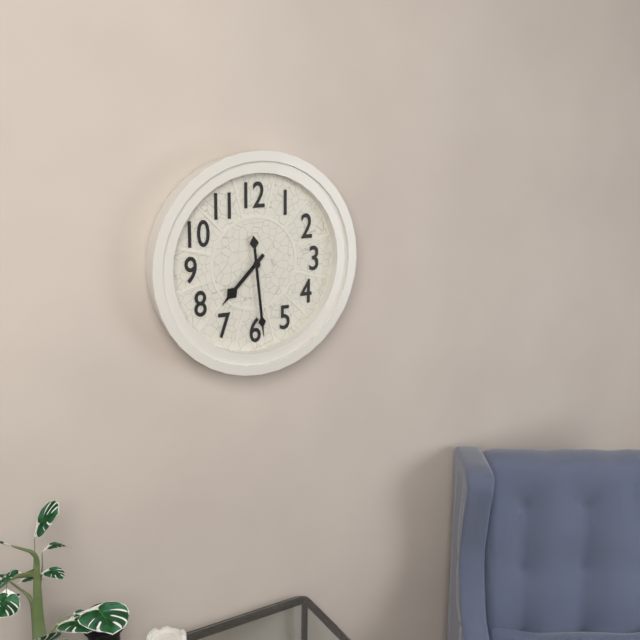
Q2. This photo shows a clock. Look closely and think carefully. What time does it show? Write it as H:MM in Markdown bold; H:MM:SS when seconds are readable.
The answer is **7:29**
